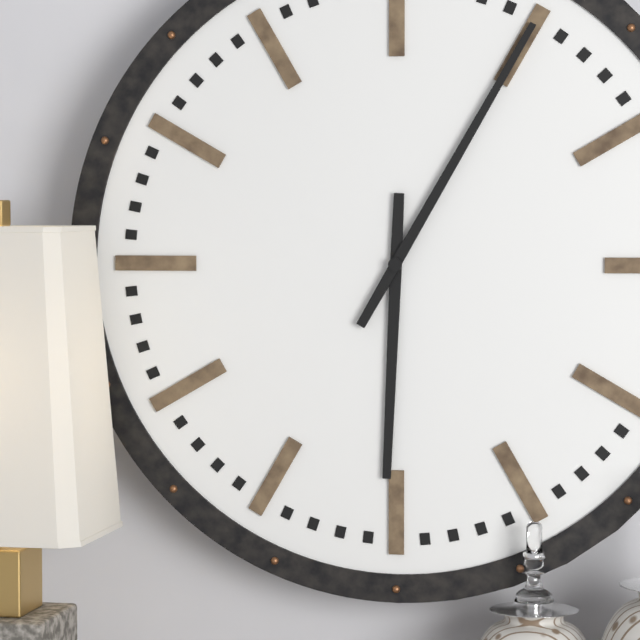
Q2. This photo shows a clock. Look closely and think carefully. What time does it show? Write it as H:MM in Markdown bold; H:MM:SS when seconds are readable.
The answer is **6:05**
